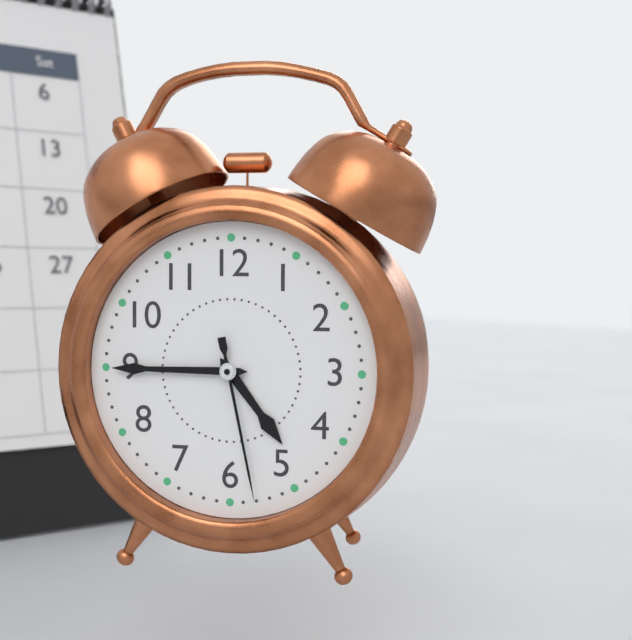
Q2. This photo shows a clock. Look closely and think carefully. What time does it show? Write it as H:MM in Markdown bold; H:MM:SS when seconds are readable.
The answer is **4:45:28**
